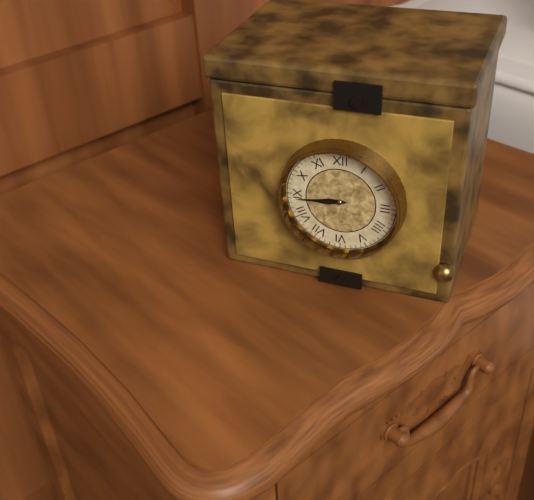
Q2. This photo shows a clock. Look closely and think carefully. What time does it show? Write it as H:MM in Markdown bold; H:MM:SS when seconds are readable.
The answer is **8:44**
